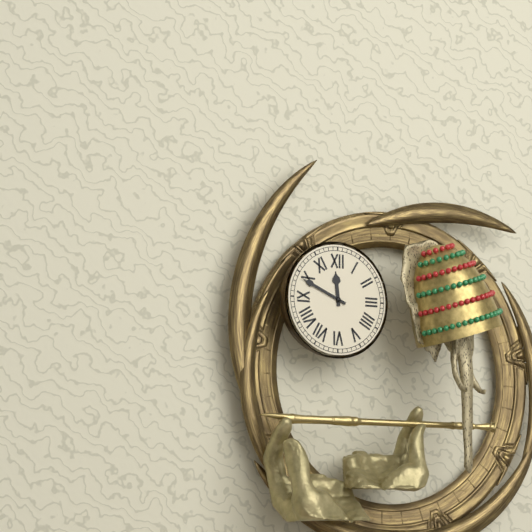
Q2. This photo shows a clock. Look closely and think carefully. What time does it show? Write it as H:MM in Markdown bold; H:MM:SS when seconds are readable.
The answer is **11:49**
